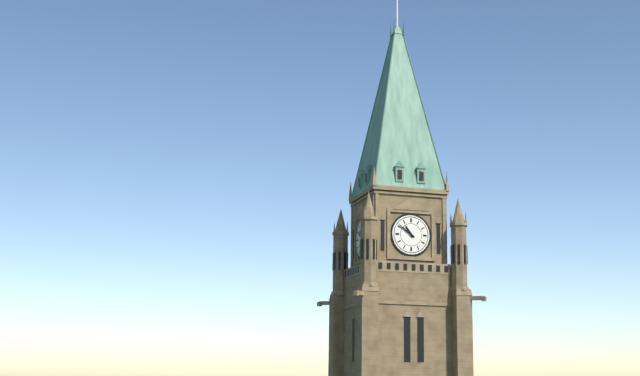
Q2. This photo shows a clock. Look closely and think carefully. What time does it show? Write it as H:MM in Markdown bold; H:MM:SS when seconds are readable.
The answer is **10:51**
